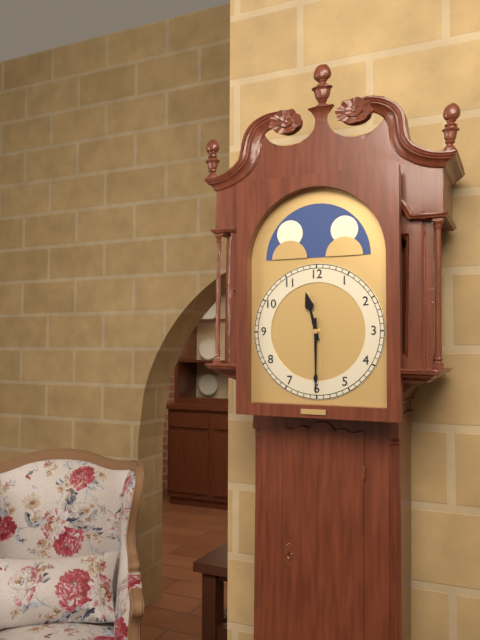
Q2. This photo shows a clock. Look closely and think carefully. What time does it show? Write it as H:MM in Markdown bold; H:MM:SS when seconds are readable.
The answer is **11:30**
